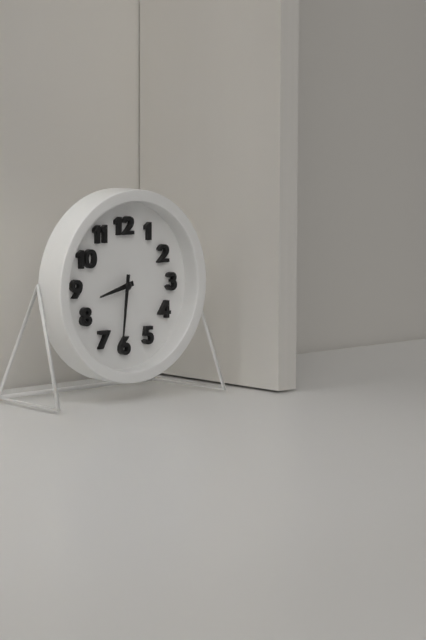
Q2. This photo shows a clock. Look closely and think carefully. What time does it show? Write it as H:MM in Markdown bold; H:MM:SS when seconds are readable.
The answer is **8:31**
